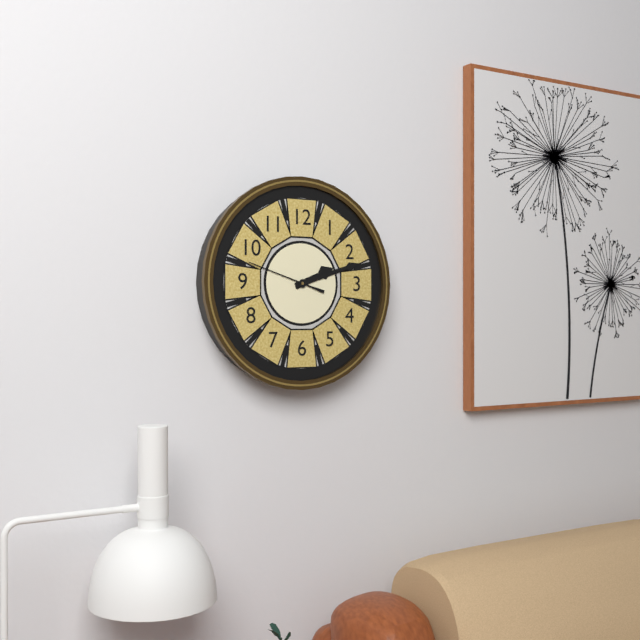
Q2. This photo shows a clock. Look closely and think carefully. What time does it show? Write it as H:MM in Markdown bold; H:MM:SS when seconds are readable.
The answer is **2:12:48**
